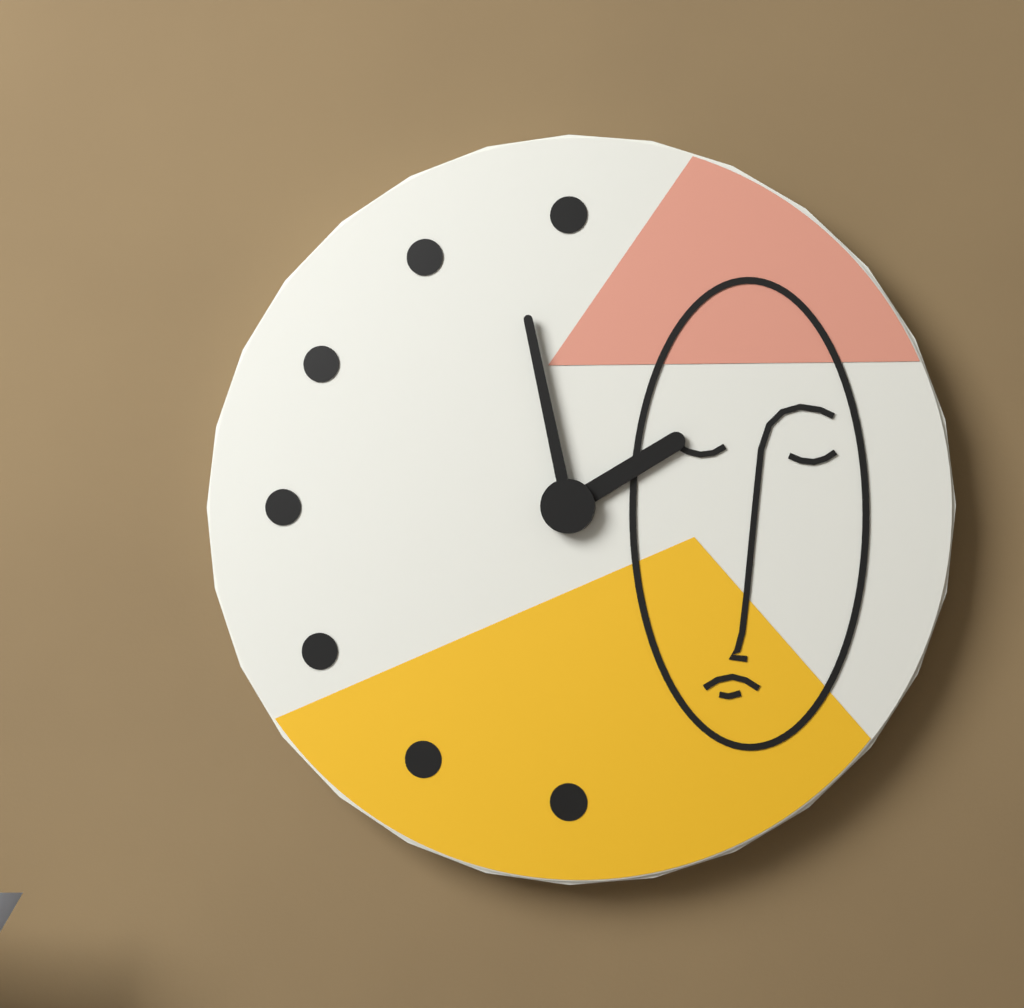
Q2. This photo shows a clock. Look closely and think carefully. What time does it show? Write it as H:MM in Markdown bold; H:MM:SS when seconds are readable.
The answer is **1:58**
